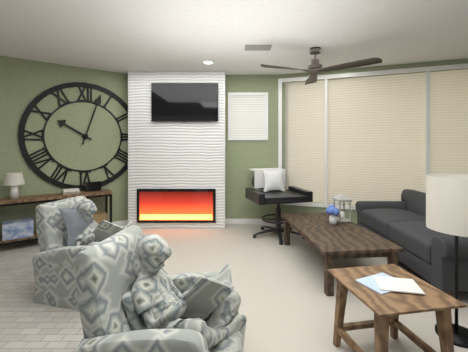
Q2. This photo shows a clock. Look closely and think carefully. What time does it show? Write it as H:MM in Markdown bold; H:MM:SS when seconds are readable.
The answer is **10:03**
